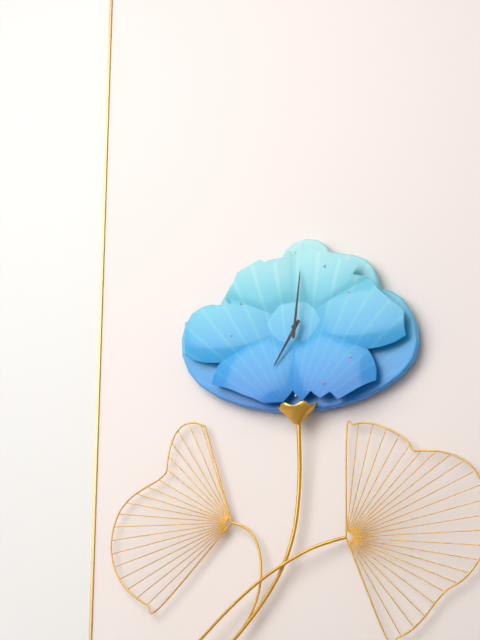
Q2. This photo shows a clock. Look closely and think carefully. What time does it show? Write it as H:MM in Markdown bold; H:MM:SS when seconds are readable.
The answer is **7:01**
